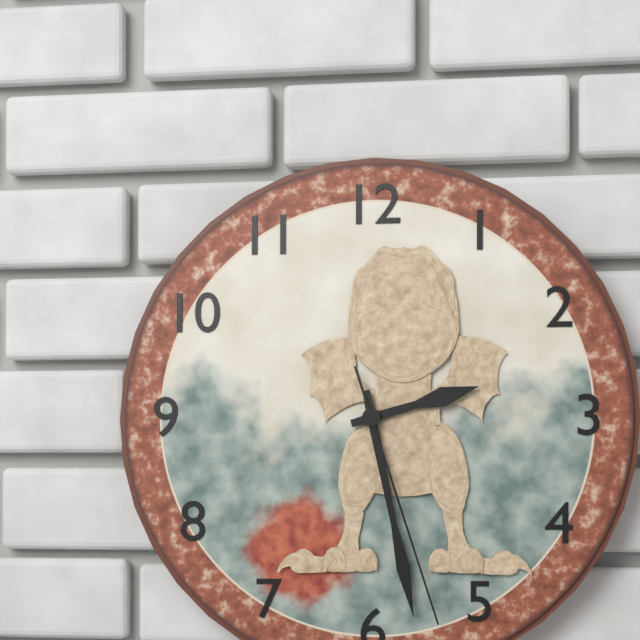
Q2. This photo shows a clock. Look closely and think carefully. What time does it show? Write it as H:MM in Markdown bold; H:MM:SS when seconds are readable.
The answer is **2:28:27**
